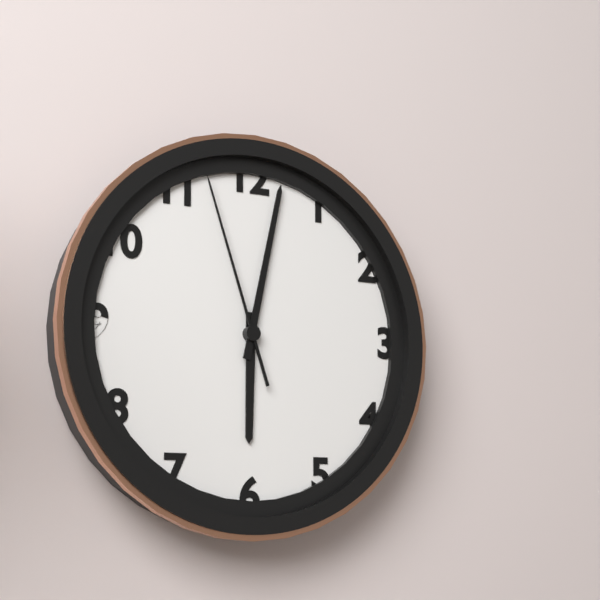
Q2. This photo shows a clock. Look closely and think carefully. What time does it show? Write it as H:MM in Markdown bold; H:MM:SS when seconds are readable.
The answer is **6:02:57**
